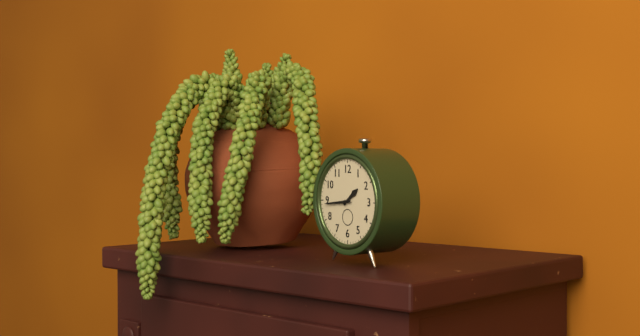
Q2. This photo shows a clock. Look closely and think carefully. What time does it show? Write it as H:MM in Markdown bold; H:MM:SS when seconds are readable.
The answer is **1:44**
